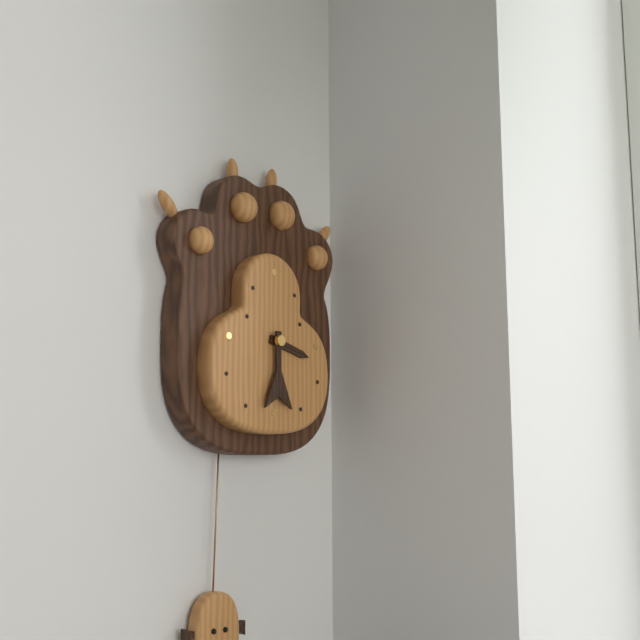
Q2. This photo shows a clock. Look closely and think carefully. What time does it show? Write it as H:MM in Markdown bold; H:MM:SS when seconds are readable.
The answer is **3:30**
